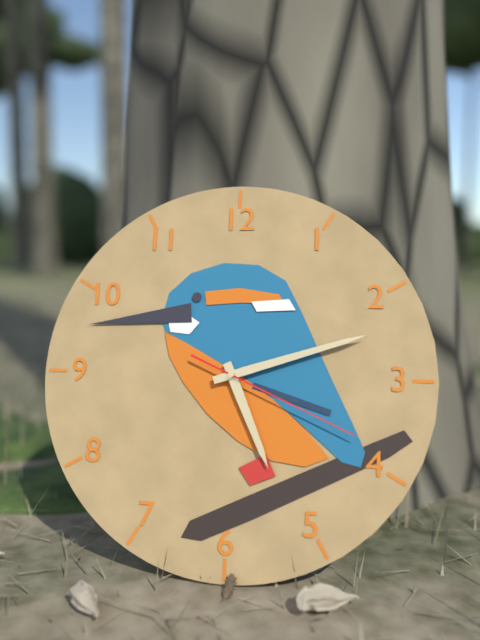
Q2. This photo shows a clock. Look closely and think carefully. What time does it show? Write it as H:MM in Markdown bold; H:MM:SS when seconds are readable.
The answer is **5:12:19**
